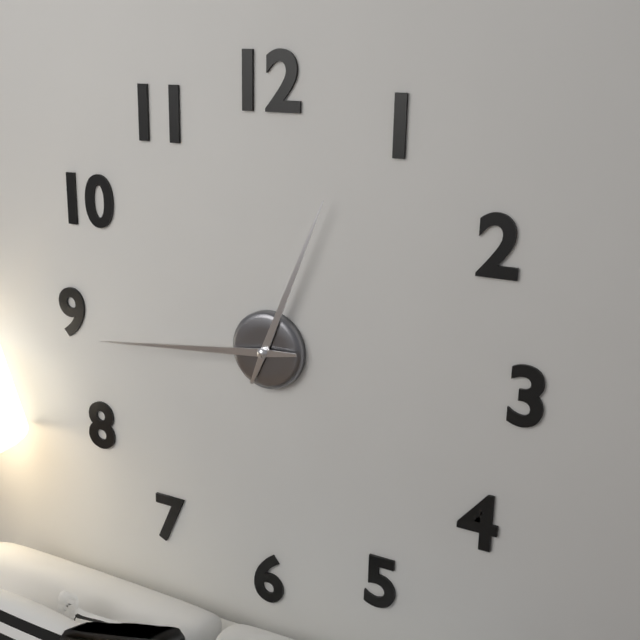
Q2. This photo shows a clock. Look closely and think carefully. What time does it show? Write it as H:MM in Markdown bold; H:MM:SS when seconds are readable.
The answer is **12:44**
